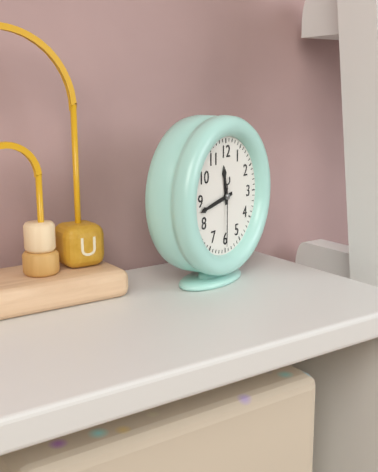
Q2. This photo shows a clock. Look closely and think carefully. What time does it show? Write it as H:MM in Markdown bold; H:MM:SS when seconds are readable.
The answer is **11:43:30**
